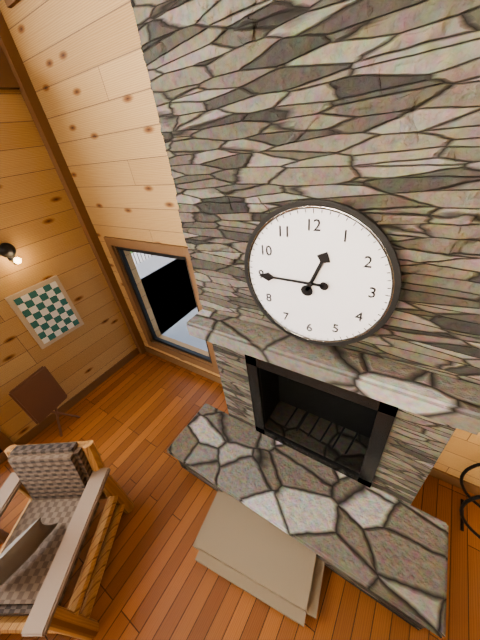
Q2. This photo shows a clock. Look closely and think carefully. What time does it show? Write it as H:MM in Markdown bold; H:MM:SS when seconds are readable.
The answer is **12:45**
